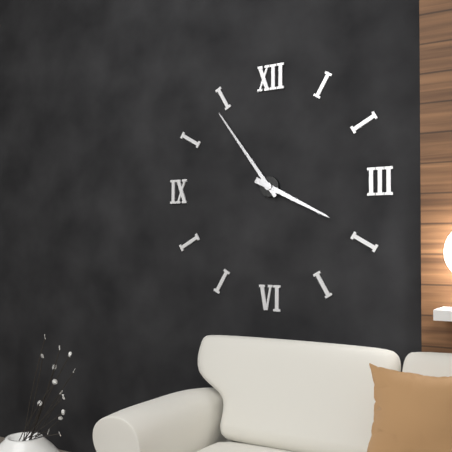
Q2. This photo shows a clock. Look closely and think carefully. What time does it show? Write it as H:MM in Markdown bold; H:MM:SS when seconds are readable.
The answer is **3:54**
